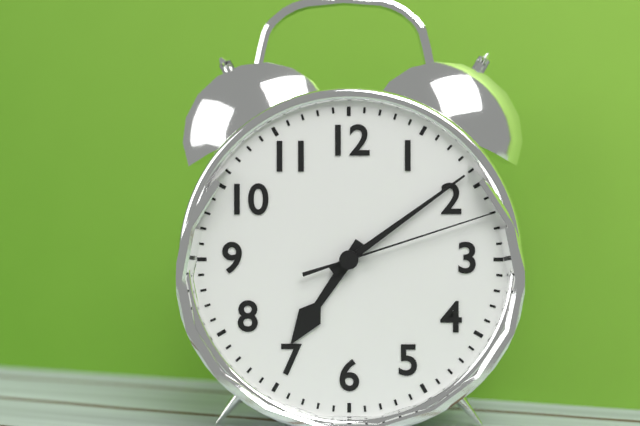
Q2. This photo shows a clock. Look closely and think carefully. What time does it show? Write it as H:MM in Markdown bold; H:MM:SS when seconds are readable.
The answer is **7:09:12**
